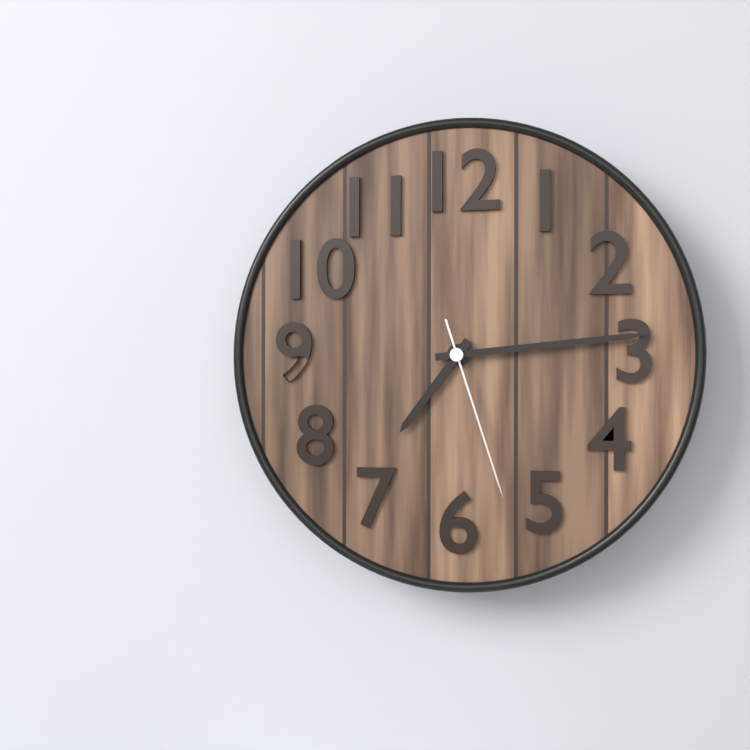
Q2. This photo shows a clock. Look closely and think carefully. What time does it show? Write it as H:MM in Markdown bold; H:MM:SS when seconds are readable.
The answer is **7:14:27**
